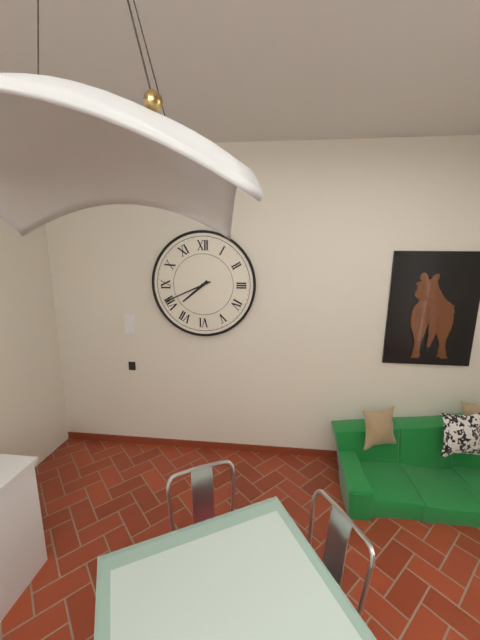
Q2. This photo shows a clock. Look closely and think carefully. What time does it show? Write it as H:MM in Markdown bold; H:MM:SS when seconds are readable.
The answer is **7:41**
